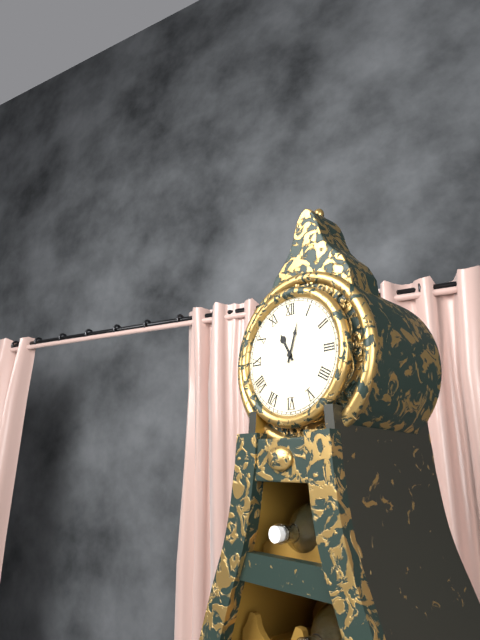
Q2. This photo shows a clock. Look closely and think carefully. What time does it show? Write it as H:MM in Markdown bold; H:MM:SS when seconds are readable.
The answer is **11:03**
